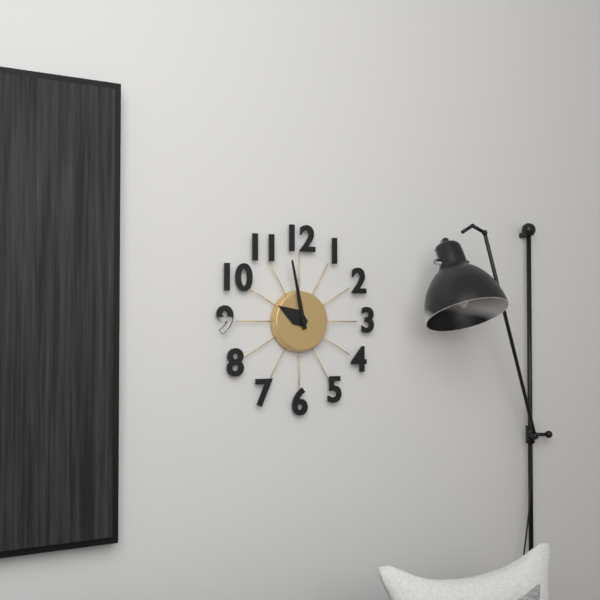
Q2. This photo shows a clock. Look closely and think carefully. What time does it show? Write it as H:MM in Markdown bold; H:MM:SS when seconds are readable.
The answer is **9:58**
